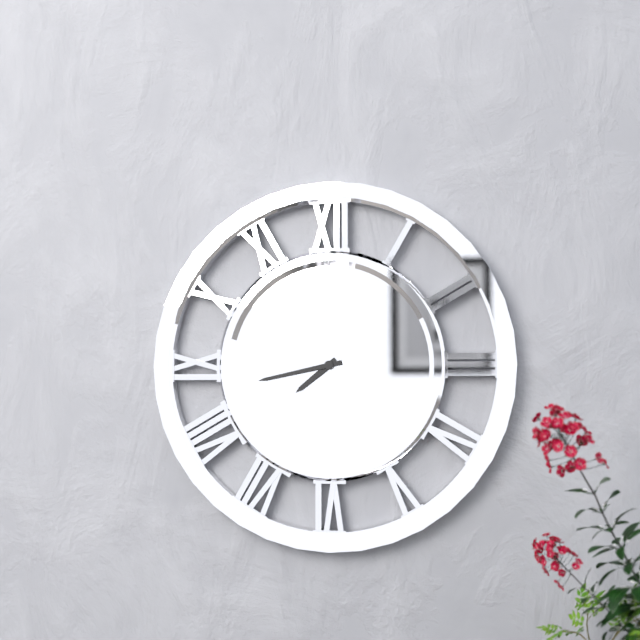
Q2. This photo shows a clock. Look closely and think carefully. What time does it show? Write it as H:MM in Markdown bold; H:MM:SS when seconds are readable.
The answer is **7:43**
